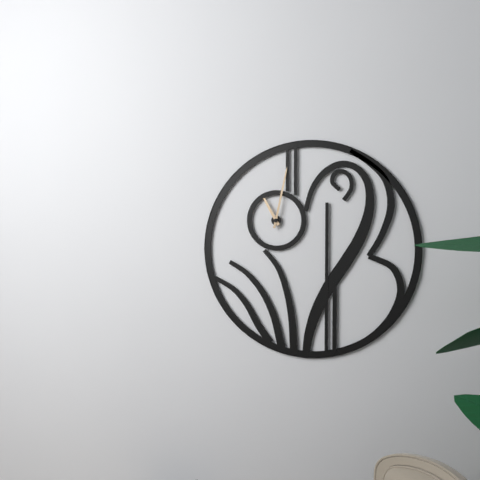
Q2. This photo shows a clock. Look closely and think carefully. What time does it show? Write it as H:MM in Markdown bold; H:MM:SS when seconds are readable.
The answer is **11:02**
